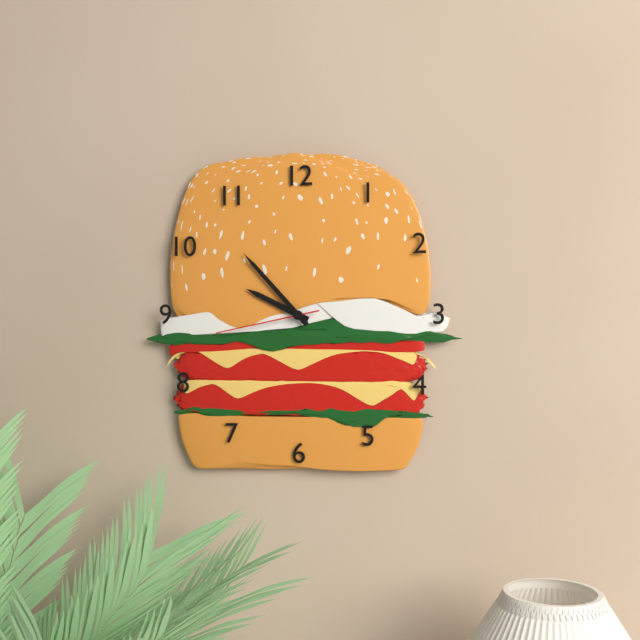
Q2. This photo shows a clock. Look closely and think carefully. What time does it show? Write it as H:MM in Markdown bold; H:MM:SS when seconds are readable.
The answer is **9:53:43**
